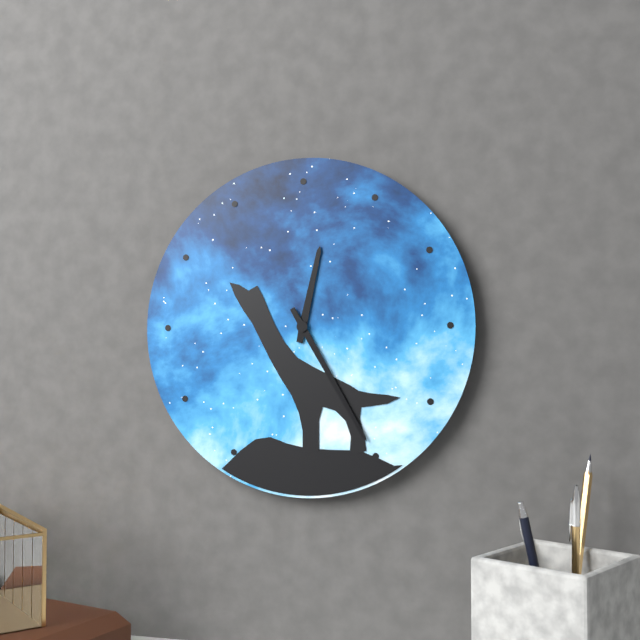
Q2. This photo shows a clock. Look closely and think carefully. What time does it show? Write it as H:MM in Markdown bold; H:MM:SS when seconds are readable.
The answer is **12:25**
